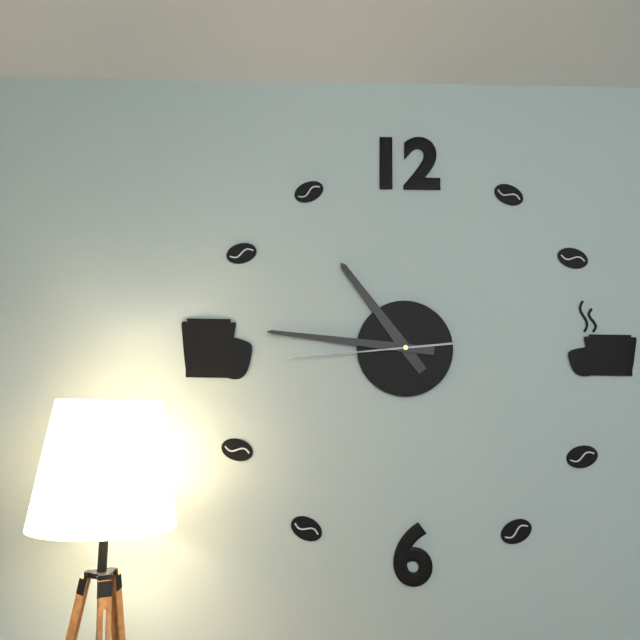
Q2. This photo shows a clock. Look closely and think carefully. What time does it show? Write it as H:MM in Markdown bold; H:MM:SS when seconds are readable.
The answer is **10:46:44**
